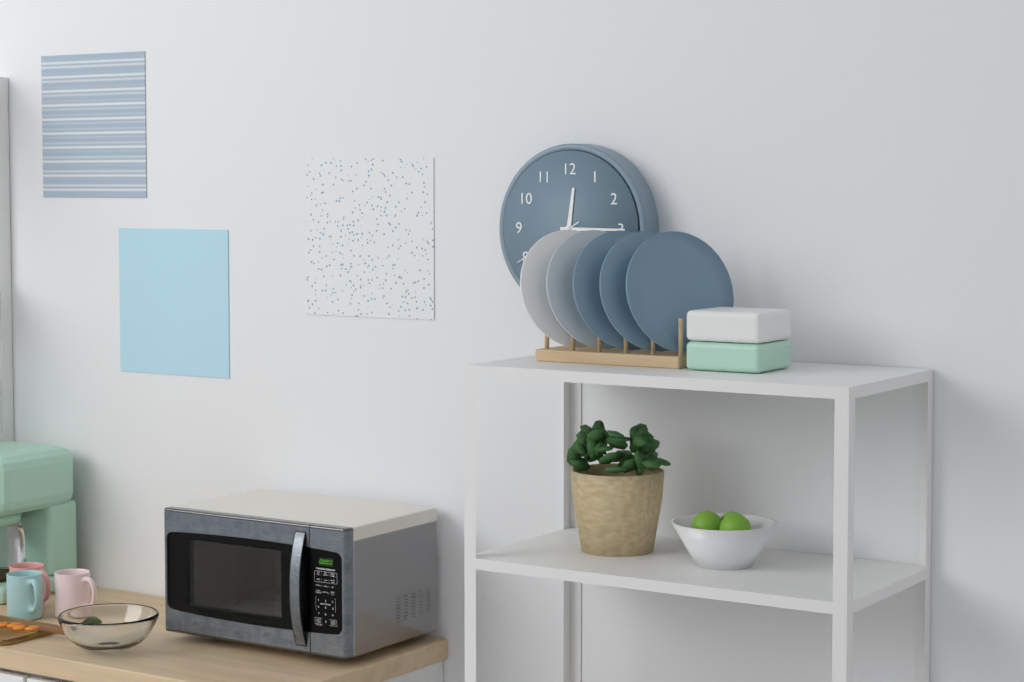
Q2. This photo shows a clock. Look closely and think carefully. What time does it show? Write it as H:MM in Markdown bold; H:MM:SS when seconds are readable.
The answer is **12:15:40**
